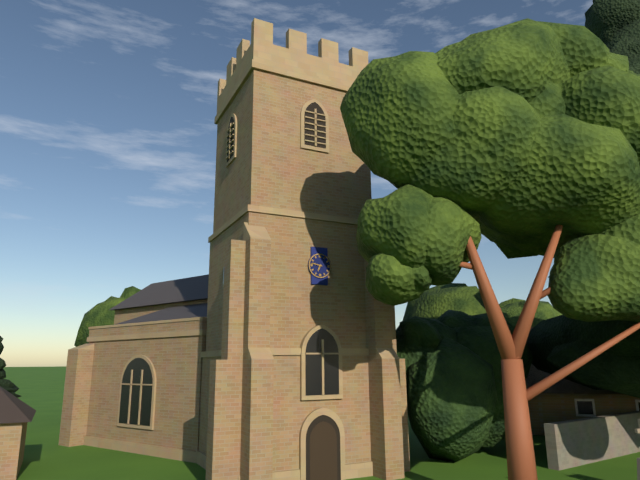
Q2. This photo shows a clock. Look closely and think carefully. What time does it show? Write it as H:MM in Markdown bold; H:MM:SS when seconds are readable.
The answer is **6:47**
